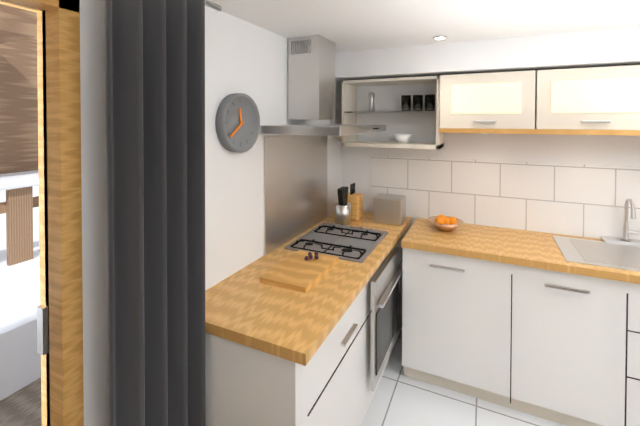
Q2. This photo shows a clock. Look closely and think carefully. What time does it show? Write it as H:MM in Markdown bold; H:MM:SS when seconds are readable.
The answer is **11:39**
